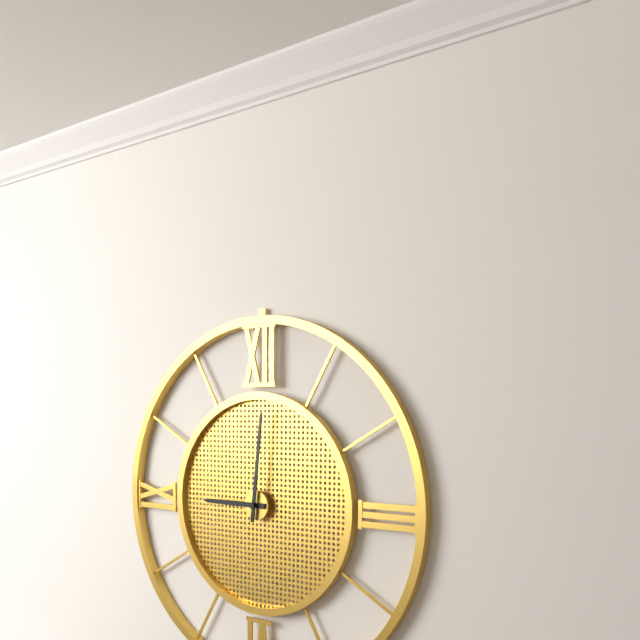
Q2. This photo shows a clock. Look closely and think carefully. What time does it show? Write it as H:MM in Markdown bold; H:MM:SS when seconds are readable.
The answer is **9:01**
